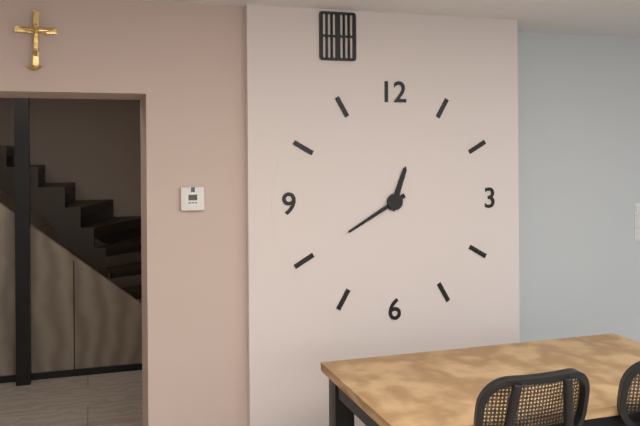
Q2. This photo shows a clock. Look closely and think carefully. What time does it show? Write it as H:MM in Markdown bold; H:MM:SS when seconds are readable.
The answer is **12:40**
